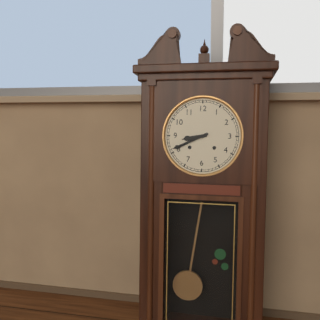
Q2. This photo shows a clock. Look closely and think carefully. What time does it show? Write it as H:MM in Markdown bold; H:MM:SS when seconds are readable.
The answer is **8:41**
